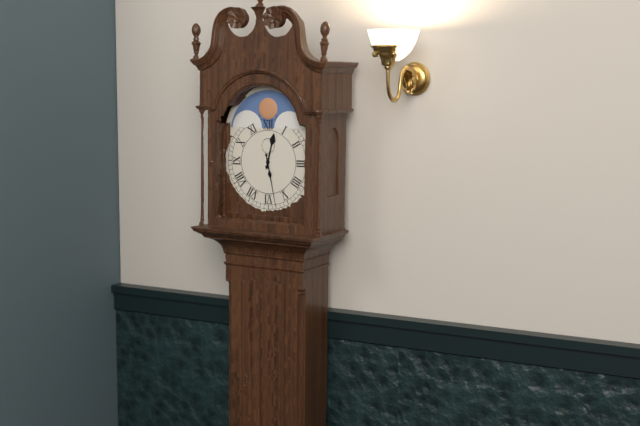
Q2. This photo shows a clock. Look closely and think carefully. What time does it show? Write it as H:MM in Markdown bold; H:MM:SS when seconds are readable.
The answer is **12:28**
